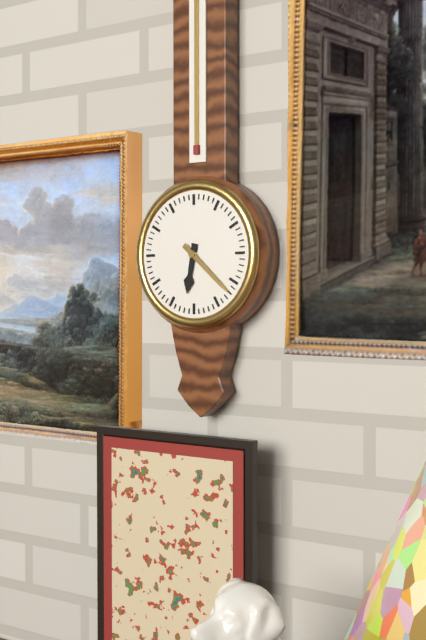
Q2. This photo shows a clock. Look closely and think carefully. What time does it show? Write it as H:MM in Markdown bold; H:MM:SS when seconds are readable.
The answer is **6:22**
